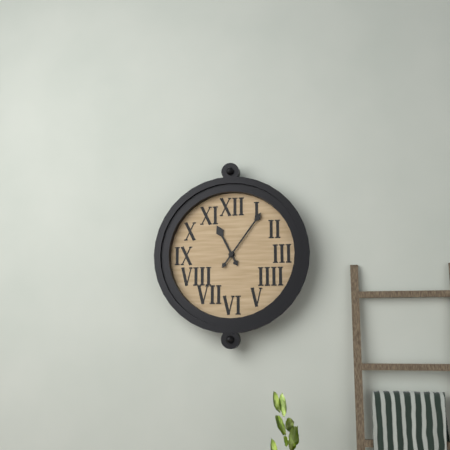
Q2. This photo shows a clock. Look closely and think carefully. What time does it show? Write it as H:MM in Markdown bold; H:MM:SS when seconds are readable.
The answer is **11:06**
